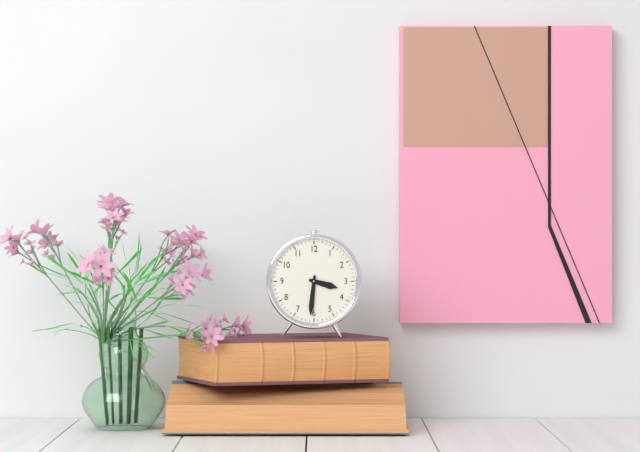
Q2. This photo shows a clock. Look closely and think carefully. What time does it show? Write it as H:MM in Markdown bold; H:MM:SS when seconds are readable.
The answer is **3:31**
